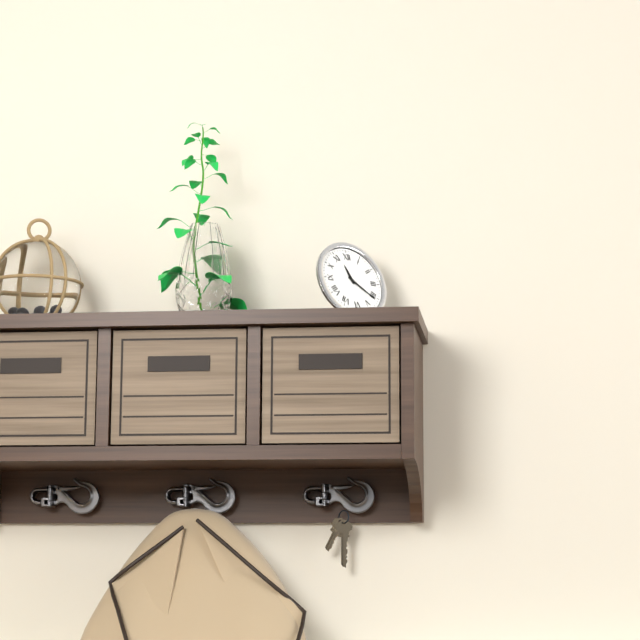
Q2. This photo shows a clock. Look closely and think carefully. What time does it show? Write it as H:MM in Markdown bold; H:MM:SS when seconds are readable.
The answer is **11:21**
